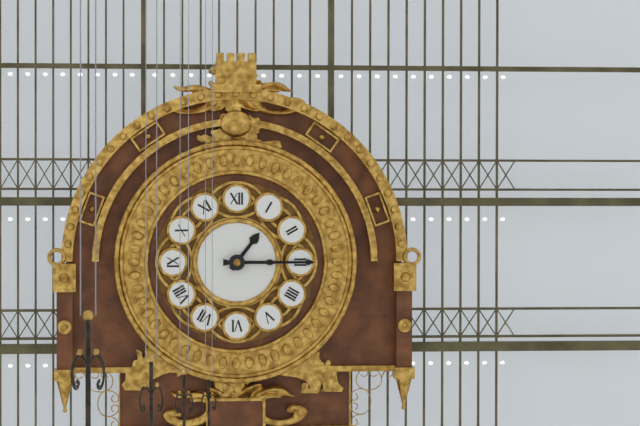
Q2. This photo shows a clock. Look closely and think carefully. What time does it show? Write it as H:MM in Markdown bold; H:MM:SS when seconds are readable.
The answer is **1:15**
